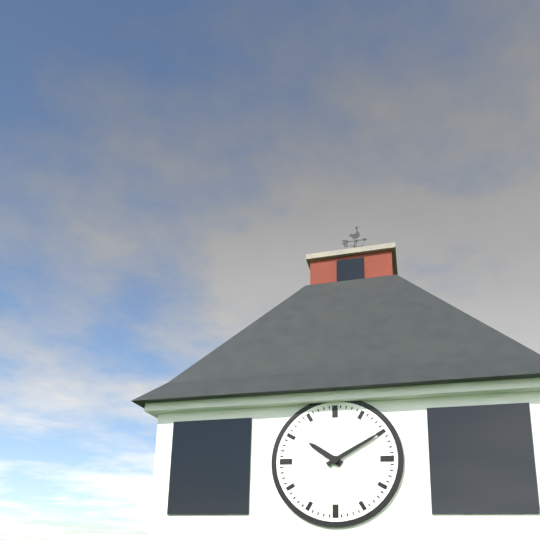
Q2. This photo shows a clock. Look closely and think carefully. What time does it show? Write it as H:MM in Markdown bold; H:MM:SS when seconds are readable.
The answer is **10:10**
